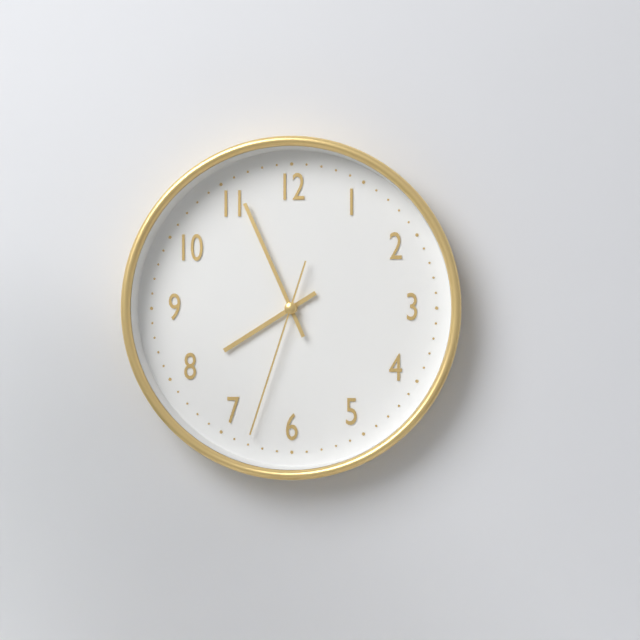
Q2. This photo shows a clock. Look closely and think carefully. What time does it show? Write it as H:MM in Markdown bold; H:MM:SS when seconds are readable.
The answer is **7:56:33**
